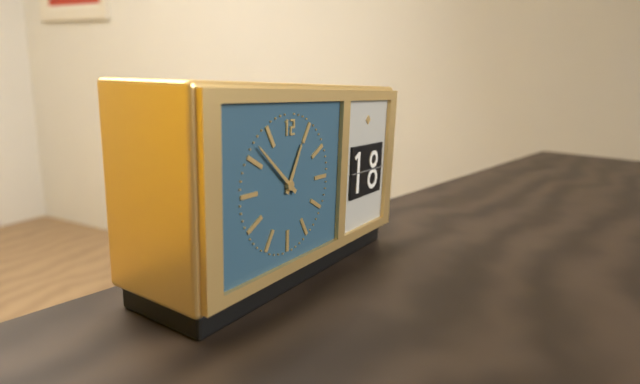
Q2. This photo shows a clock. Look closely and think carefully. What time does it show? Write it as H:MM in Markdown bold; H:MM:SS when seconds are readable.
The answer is **12:52**
